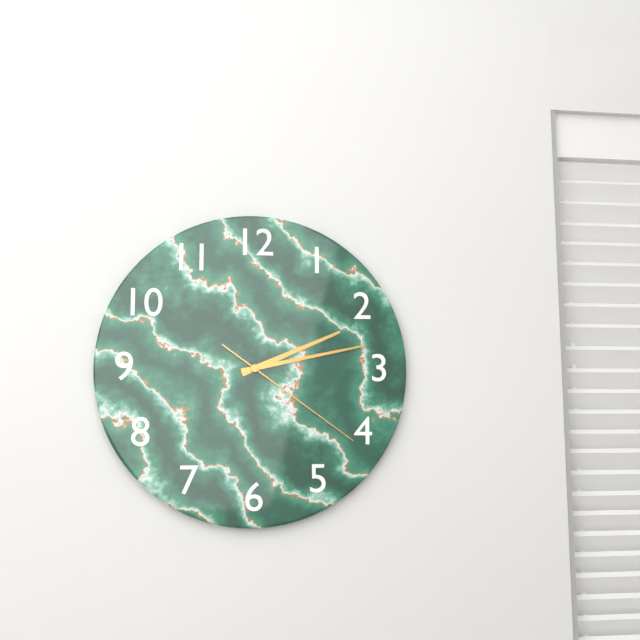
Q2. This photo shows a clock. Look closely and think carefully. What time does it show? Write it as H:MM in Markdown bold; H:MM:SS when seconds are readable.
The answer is **2:13:21**
